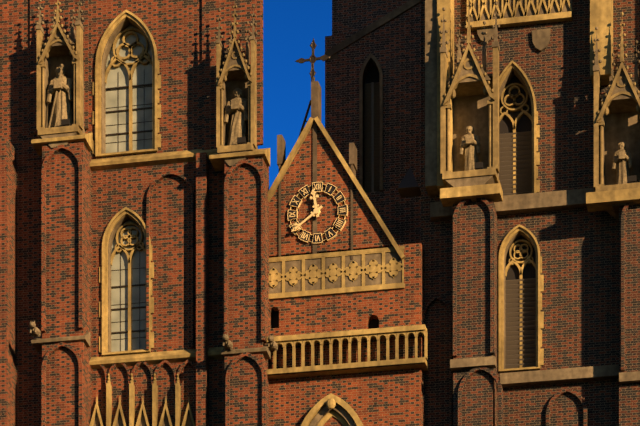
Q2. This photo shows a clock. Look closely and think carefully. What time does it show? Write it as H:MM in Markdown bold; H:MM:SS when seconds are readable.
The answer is **11:39**
